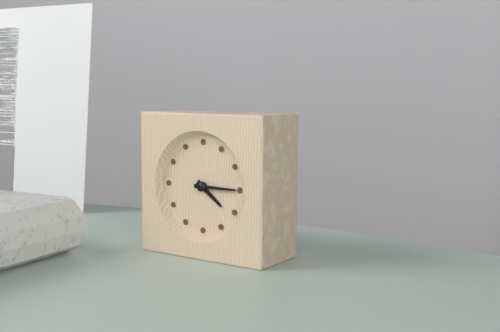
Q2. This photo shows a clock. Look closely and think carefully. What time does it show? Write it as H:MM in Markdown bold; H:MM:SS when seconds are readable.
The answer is **4:15**
